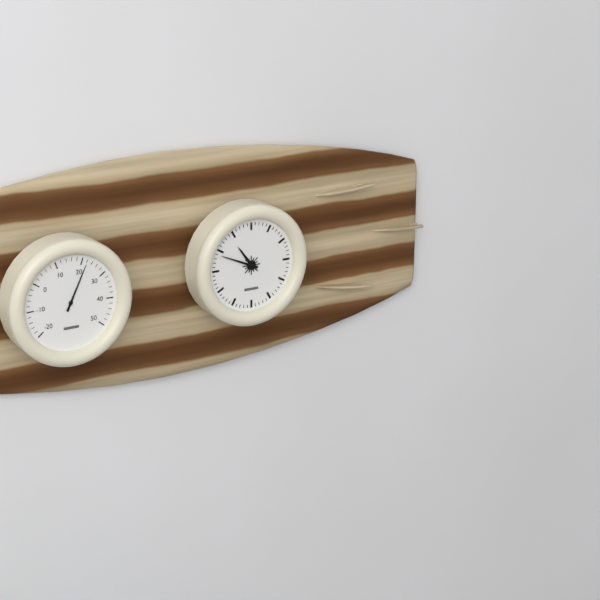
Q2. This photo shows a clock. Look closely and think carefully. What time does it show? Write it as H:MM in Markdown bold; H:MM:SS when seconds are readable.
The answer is **10:49**
